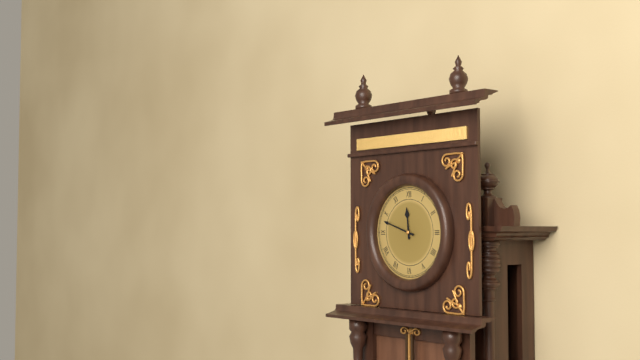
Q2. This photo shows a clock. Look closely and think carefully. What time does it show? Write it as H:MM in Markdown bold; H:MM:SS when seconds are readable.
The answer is **11:48**
